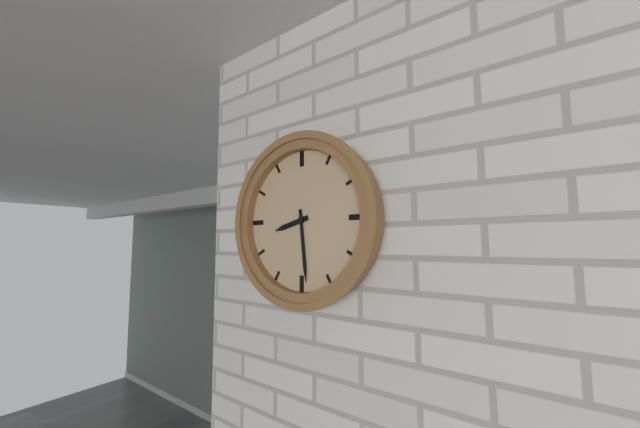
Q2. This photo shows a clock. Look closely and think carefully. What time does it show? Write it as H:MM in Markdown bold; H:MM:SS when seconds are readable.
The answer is **8:29**
